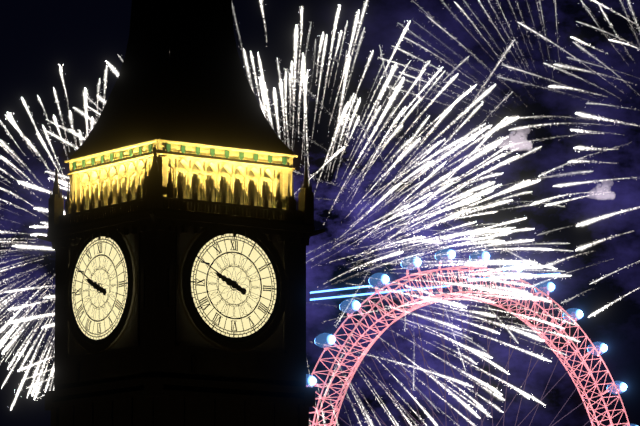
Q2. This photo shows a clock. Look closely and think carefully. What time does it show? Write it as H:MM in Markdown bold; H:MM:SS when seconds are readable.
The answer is **9:50**
